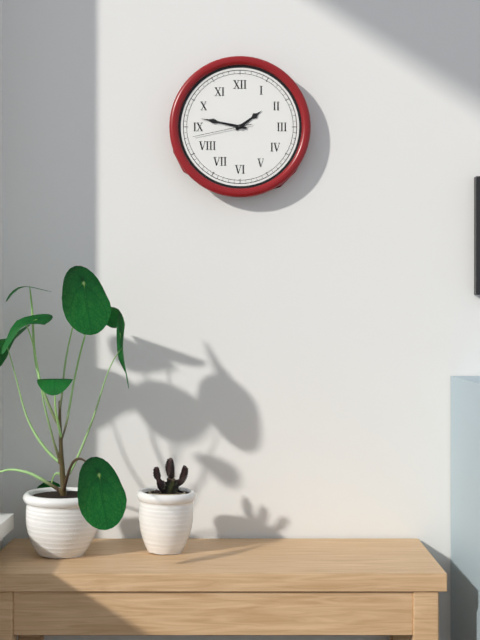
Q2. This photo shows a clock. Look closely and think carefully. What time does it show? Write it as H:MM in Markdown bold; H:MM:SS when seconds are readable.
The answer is **1:47:43**
